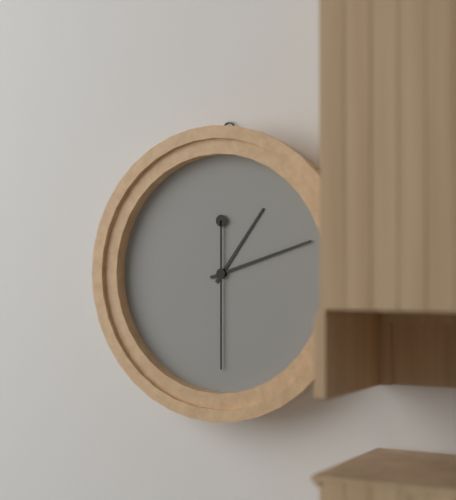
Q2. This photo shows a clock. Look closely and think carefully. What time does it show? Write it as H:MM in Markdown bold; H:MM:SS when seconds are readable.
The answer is **1:12:30**
